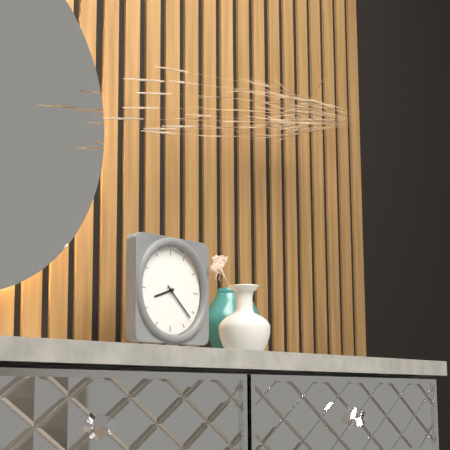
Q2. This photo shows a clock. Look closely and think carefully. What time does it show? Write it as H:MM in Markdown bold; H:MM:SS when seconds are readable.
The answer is **8:22**
